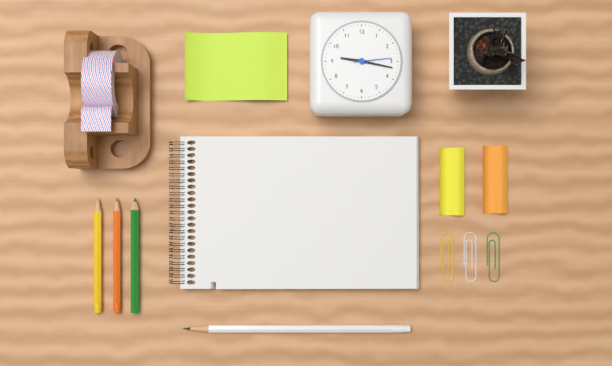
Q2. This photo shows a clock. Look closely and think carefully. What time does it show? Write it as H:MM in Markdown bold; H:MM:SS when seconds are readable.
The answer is **9:17**
